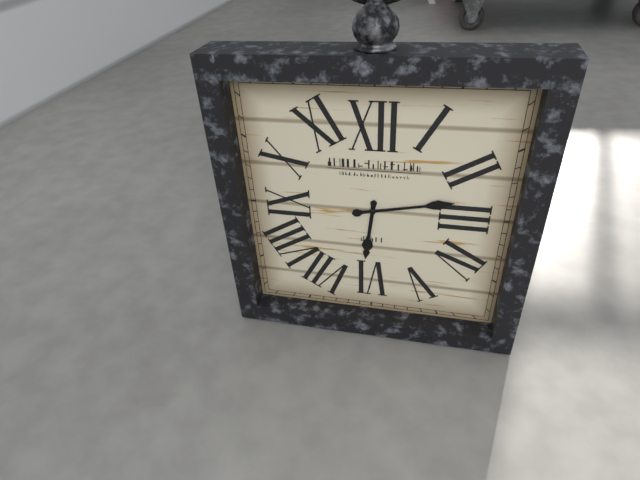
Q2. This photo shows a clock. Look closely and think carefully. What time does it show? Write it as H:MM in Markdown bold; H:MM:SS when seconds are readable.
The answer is **6:13**
